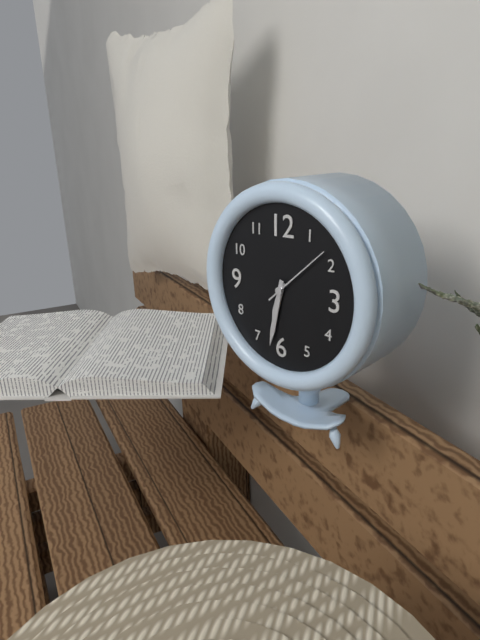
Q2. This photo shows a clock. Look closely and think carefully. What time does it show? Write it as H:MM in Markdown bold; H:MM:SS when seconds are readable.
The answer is **6:32:08**
